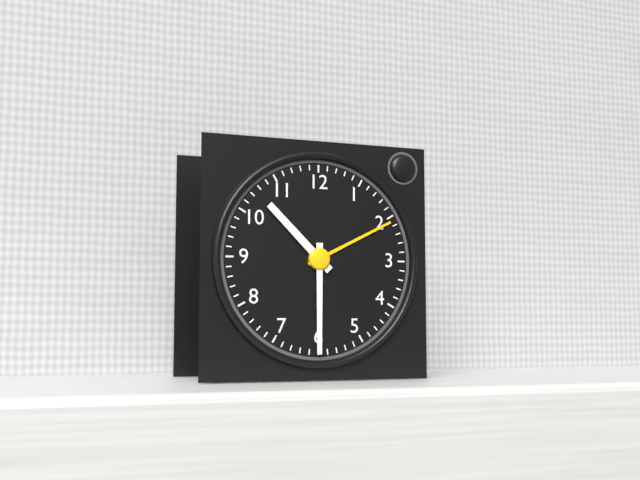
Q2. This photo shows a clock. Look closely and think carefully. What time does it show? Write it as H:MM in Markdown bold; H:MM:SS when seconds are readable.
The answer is **10:30**
